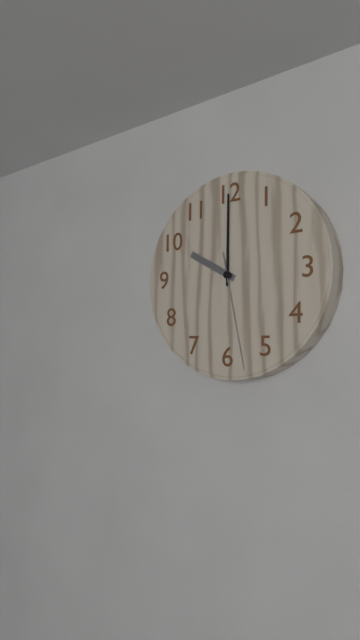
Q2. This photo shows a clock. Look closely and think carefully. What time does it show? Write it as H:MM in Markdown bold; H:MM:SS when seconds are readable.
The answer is **10:00:28**
